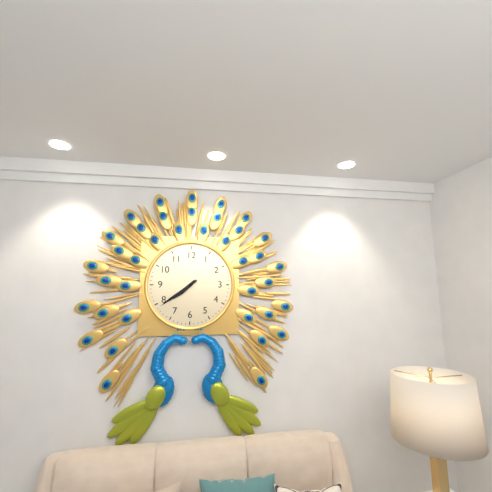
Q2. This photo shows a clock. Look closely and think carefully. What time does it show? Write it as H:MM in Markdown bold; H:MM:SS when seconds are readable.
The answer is **7:39**
